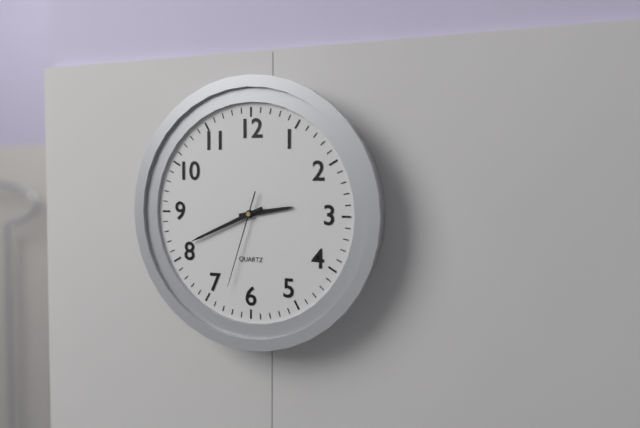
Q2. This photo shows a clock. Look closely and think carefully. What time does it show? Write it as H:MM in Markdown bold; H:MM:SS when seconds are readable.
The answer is **2:41:33**
